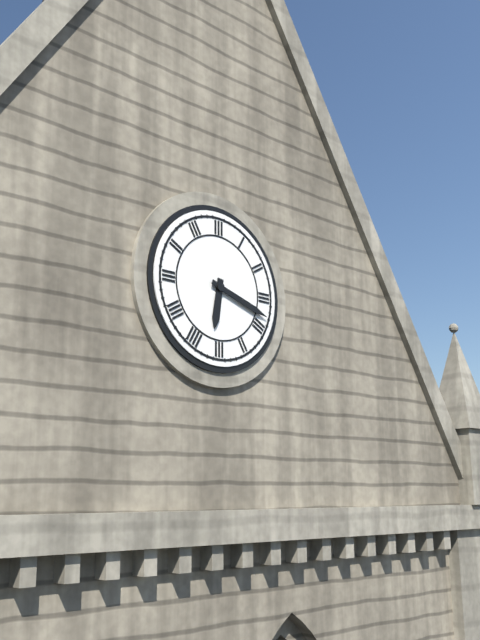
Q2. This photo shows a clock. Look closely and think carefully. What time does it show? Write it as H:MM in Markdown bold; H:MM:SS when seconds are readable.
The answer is **6:18**
